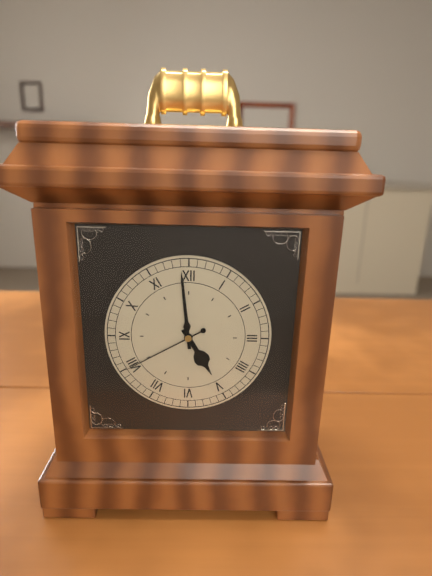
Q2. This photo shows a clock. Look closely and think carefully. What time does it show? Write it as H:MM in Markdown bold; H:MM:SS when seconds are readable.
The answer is **4:59:40**
